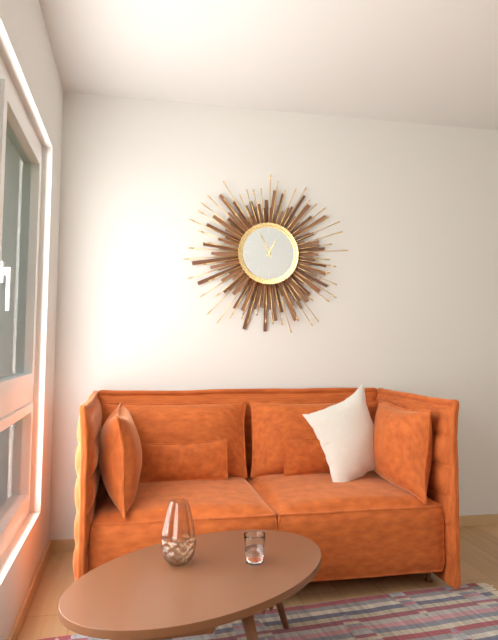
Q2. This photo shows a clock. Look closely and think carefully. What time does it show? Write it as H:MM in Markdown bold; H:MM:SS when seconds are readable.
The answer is **12:56**
